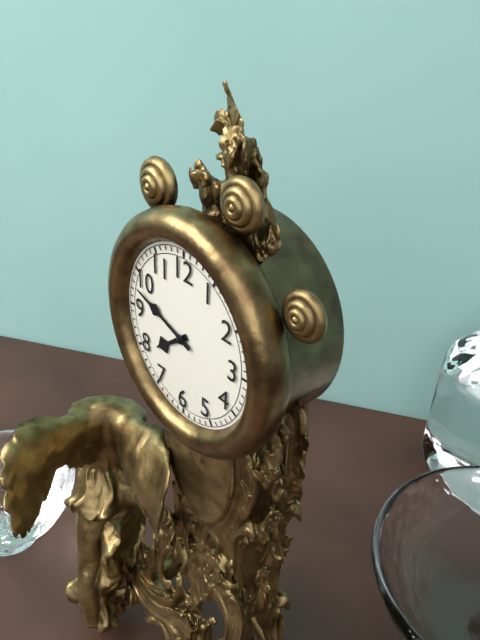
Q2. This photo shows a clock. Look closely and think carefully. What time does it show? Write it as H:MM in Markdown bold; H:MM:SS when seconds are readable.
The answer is **7:48**
